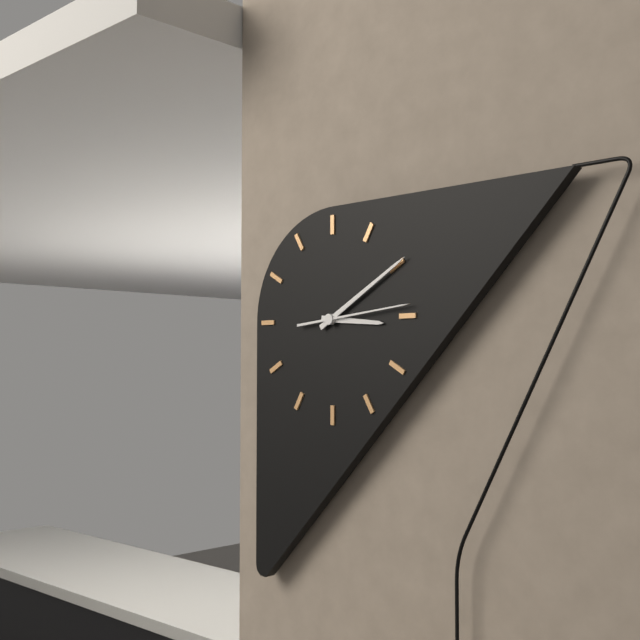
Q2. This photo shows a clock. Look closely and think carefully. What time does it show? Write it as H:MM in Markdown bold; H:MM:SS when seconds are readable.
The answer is **3:10:14**
